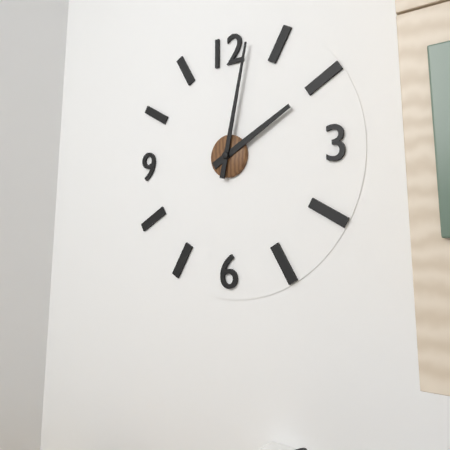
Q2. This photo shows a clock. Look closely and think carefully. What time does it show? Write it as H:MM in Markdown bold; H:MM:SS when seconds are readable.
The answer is **2:02**
